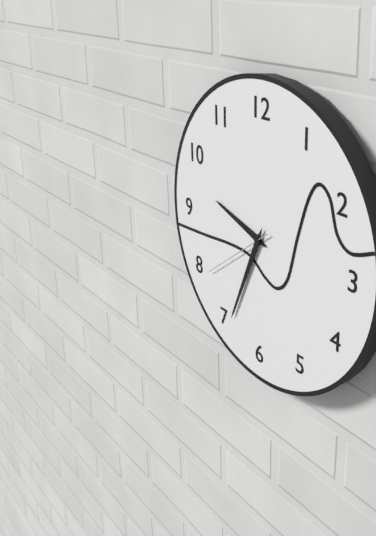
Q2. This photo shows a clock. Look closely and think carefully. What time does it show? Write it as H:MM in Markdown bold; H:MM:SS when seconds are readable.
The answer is **9:34:39**
